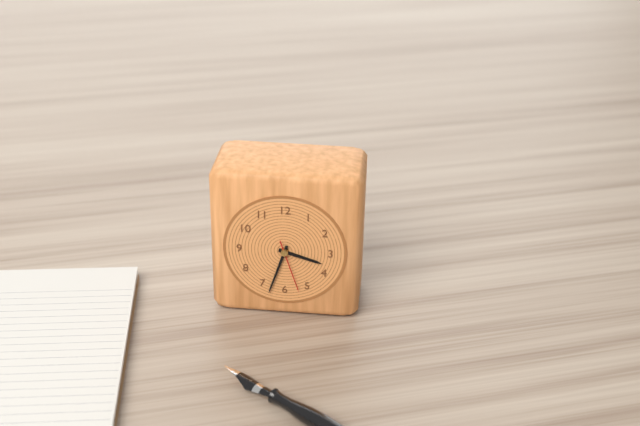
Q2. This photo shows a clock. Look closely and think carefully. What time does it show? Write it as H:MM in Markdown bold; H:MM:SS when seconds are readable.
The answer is **3:33:27**
